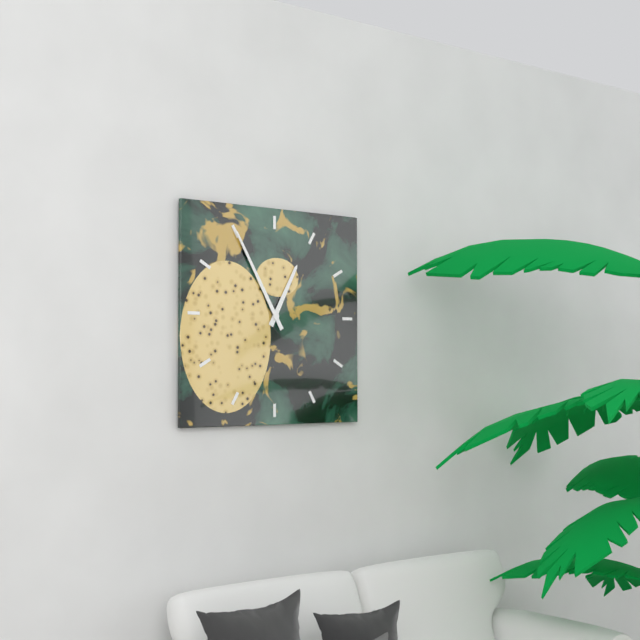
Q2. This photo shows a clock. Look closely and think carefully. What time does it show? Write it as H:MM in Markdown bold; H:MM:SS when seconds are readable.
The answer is **12:55**
